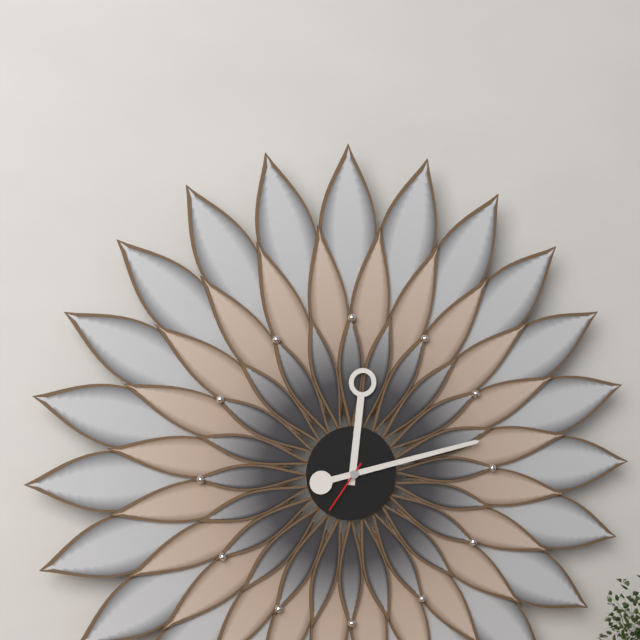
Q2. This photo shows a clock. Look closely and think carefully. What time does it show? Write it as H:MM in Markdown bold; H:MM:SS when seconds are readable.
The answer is **12:13:36**
